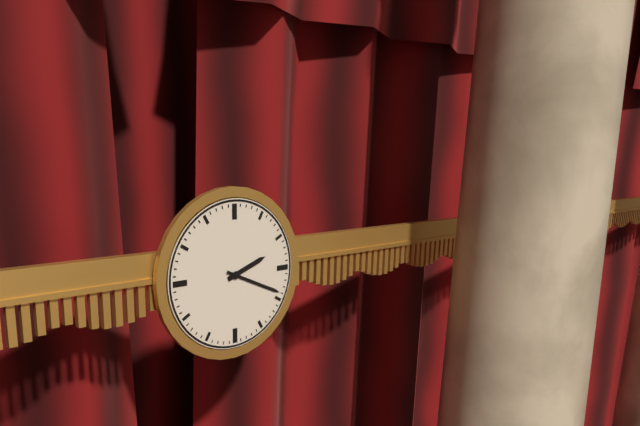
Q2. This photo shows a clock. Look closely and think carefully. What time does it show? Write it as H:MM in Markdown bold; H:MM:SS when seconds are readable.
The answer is **2:19**
